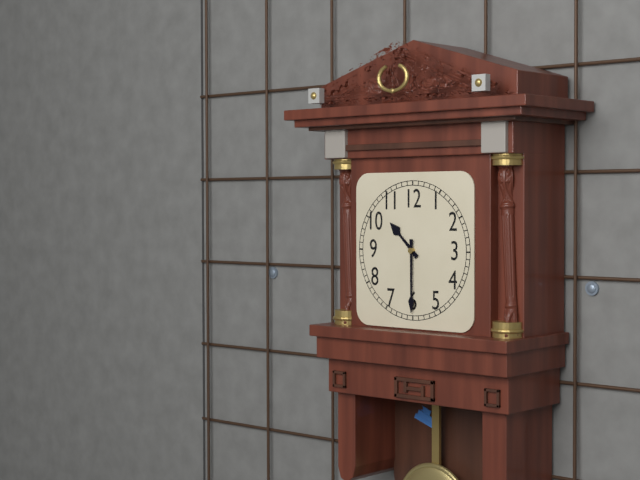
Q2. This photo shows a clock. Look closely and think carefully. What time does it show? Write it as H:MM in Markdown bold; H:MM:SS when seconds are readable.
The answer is **10:30**
